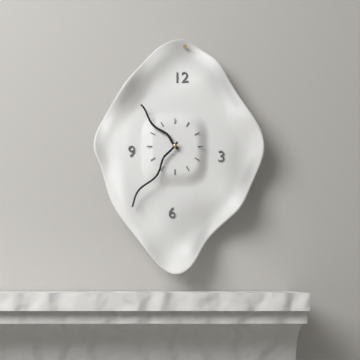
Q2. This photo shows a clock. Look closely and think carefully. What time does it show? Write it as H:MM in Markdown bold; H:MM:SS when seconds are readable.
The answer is **10:36**
